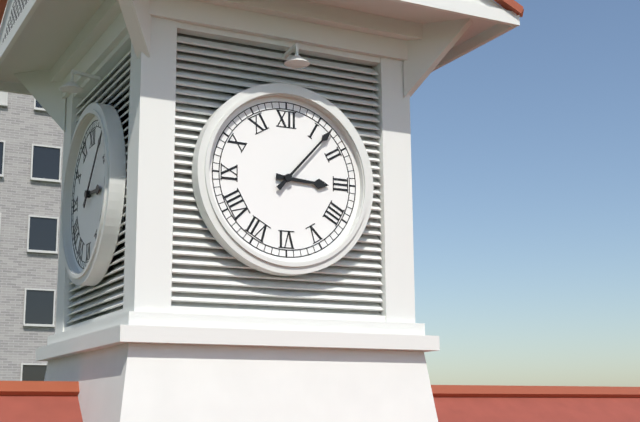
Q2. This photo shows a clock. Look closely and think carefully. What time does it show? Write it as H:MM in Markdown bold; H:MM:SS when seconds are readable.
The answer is **3:07**
